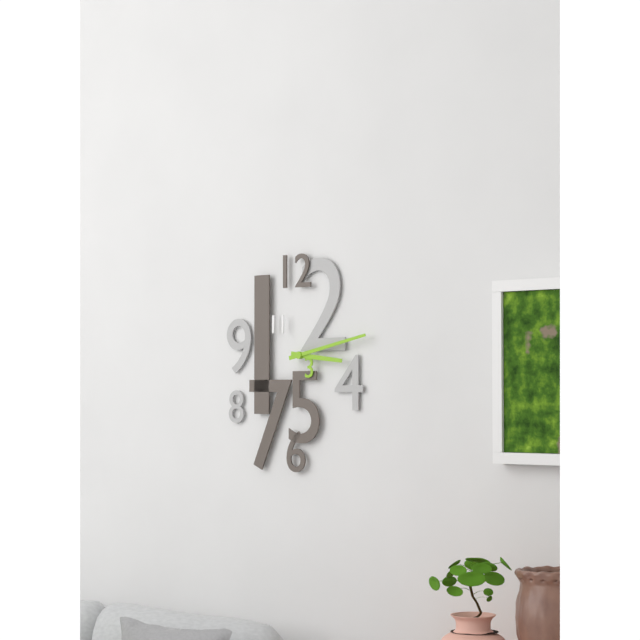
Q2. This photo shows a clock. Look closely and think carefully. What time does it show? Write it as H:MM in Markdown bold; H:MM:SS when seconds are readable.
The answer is **3:13**
